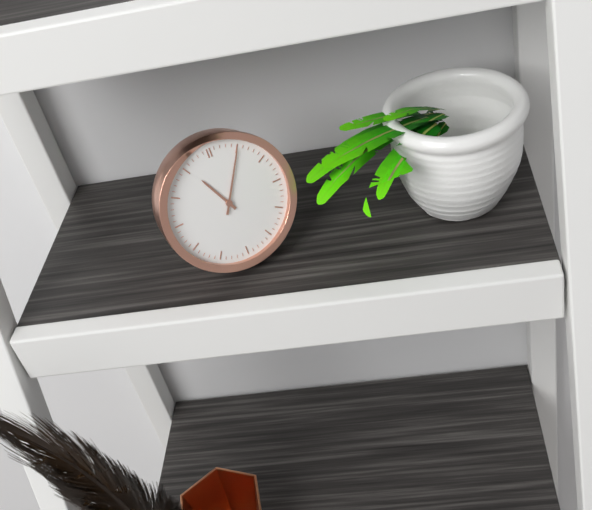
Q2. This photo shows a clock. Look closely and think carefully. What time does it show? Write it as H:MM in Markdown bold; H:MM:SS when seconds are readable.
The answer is **11:05**
